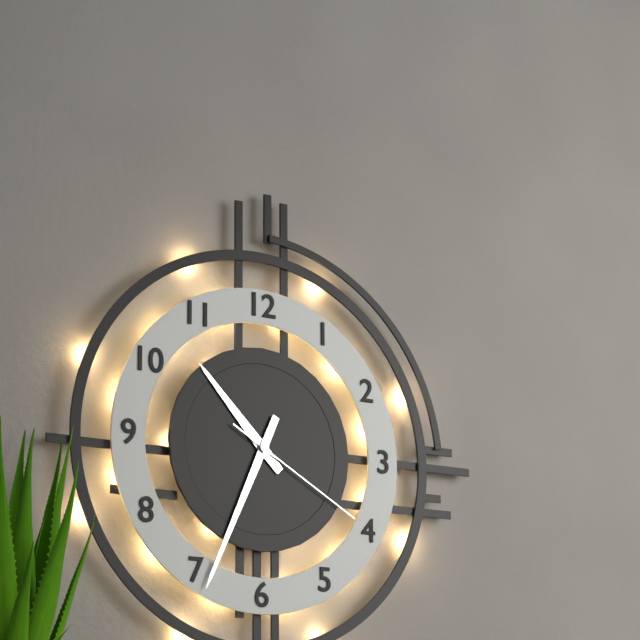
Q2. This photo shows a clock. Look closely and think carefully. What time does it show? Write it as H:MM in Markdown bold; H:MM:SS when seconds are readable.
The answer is **10:34:20**
